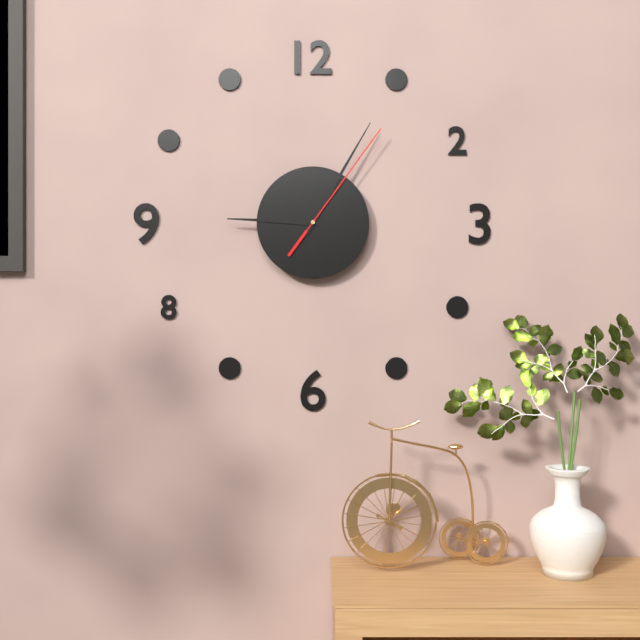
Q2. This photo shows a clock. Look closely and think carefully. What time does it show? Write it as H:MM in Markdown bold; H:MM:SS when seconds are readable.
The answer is **9:05:06**
